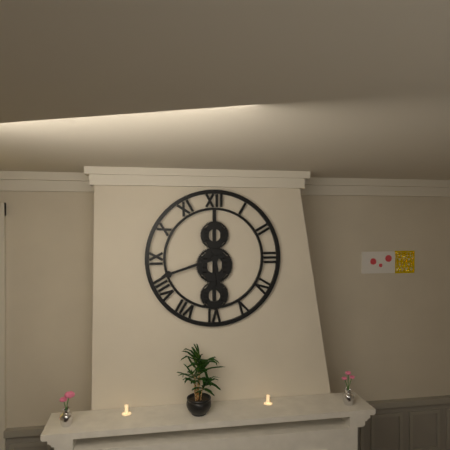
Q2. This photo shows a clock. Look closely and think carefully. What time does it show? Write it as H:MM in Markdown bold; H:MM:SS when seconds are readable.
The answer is **5:42**
